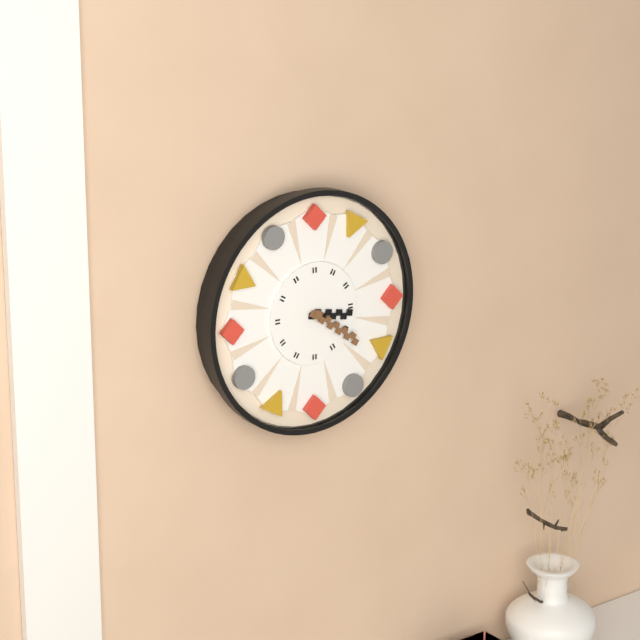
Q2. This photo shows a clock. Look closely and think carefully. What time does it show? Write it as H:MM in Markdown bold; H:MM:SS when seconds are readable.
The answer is **3:21**
